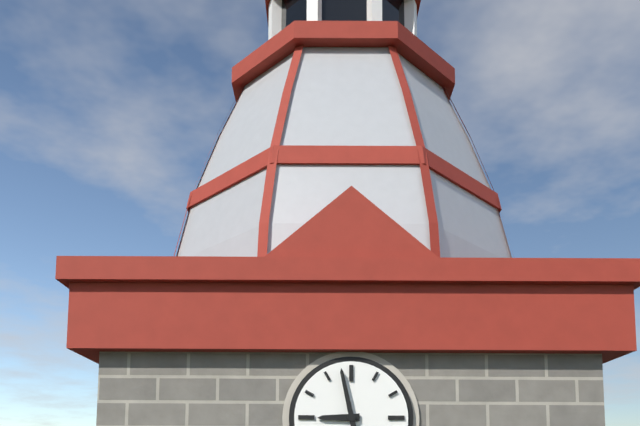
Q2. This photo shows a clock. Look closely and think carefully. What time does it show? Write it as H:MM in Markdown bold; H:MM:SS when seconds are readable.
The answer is **8:58**
